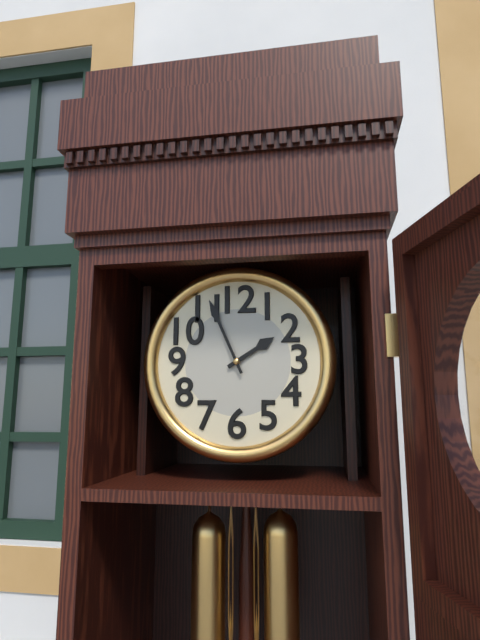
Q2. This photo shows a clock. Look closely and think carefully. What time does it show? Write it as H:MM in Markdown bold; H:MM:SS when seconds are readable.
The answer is **1:56**
